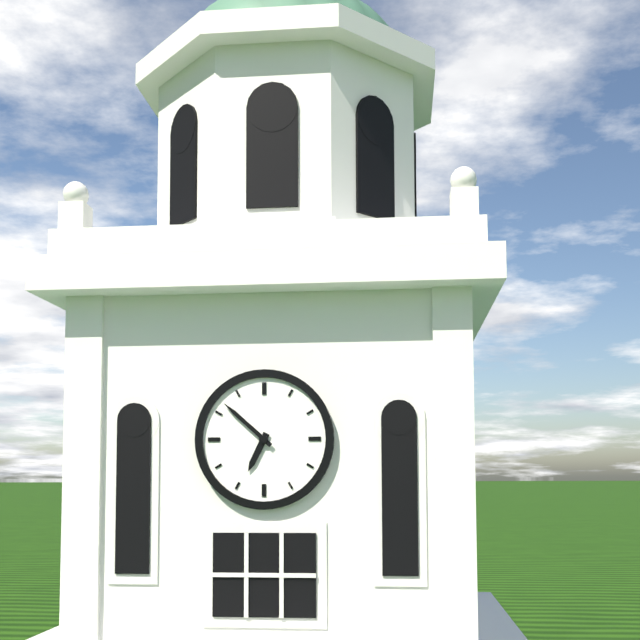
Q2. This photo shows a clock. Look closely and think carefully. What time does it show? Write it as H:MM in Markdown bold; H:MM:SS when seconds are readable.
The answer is **6:52**
